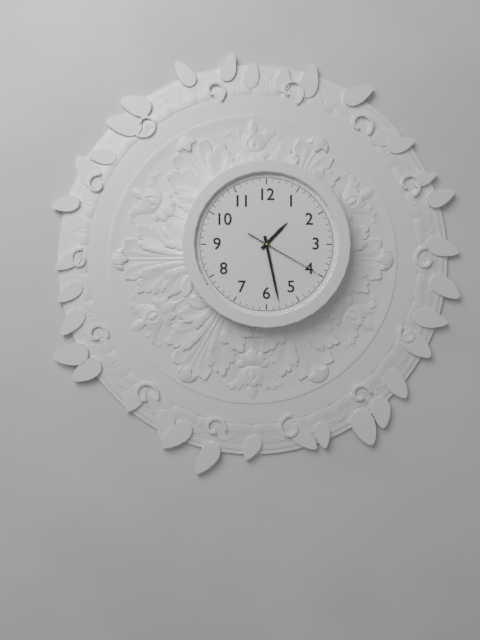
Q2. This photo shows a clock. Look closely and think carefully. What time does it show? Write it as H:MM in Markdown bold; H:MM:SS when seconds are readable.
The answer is **1:28:20**
